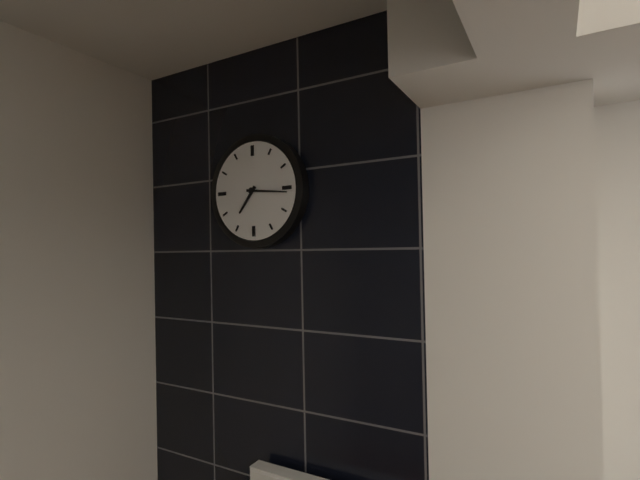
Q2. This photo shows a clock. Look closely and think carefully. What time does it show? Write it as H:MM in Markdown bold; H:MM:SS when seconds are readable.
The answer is **7:16**
